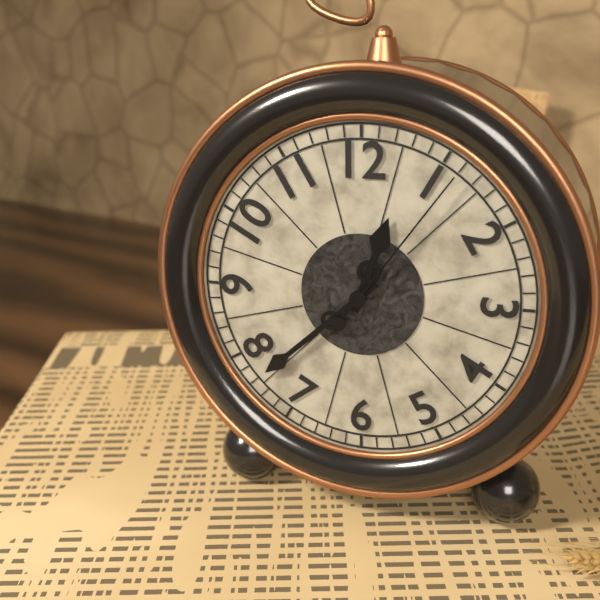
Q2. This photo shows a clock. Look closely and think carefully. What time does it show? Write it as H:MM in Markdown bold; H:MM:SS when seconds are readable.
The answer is **12:38:06**
